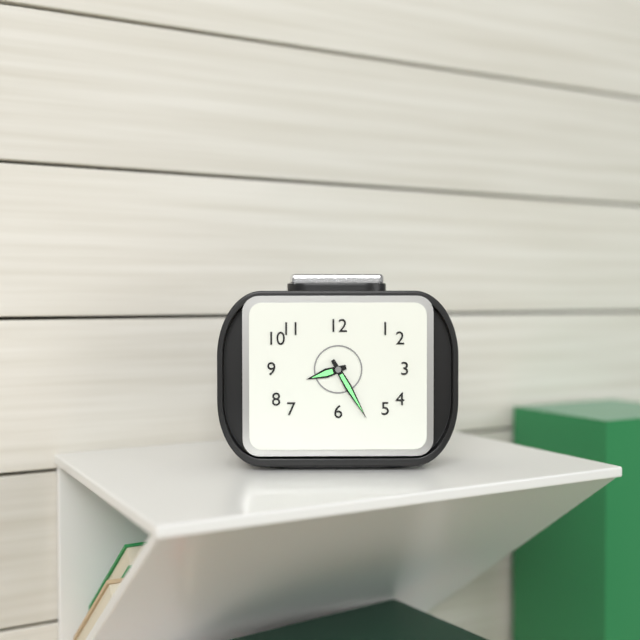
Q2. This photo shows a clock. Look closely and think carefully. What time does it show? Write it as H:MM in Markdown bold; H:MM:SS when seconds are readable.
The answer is **8:25**
